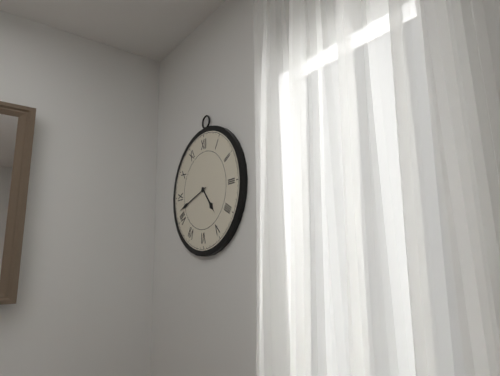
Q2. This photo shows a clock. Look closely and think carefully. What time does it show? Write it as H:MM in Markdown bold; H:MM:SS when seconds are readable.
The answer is **4:42**
